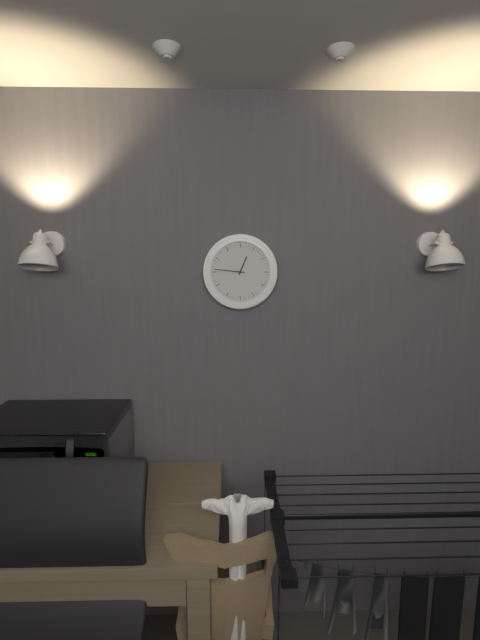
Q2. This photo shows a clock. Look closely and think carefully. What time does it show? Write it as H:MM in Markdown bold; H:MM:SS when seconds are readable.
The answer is **12:46**
